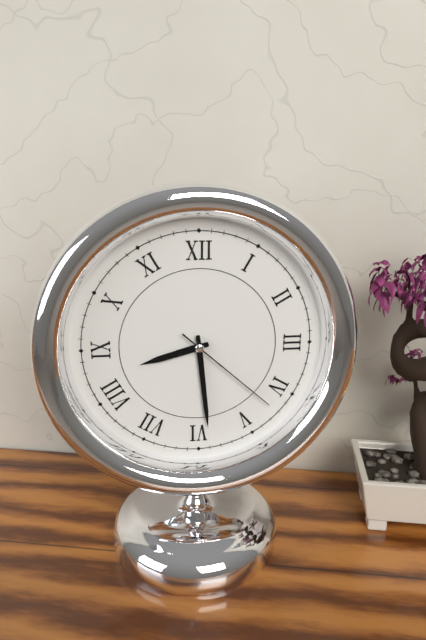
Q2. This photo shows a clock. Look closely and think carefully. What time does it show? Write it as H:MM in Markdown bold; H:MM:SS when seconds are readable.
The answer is **8:29:22**
